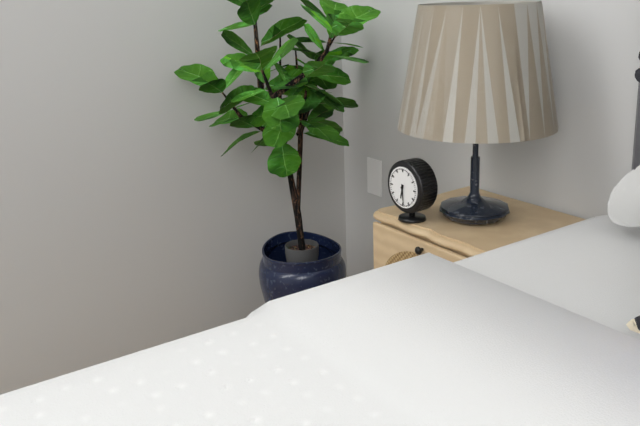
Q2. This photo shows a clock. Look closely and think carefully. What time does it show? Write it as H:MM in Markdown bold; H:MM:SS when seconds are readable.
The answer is **6:29**
